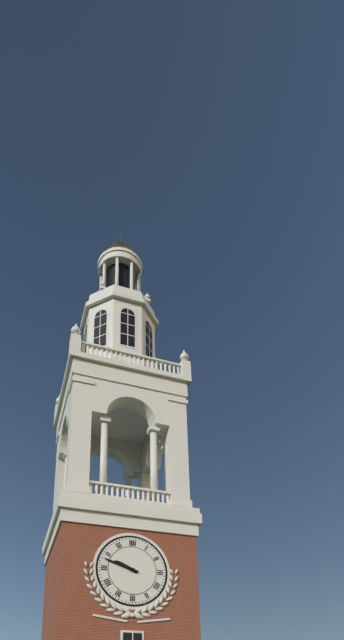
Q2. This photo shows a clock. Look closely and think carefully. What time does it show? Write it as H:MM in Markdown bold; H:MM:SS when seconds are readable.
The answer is **9:48**
